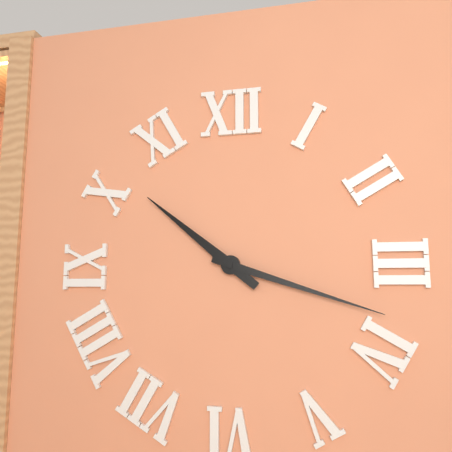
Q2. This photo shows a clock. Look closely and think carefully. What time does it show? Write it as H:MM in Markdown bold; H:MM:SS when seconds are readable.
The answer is **10:18**
